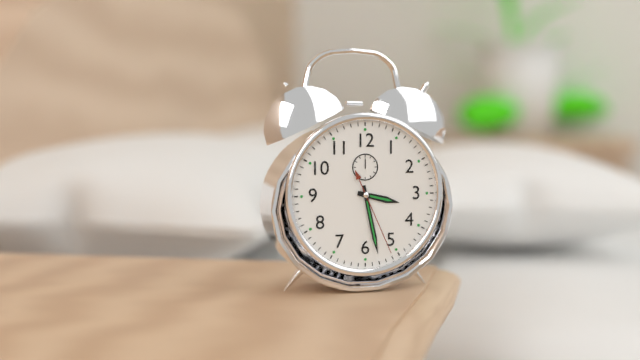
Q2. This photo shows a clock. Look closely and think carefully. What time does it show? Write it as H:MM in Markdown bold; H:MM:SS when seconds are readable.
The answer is **3:28:26**
